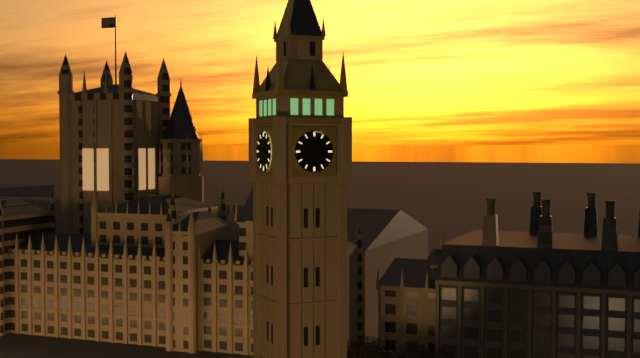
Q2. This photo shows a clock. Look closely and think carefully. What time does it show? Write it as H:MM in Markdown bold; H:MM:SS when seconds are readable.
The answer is **1:14**
